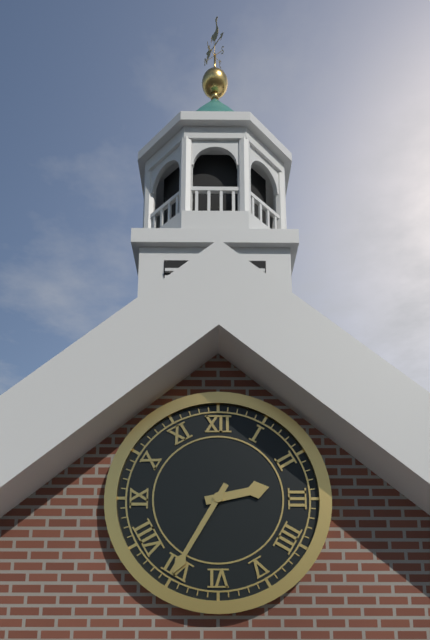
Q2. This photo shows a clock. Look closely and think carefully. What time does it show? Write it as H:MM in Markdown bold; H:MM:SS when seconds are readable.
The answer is **2:35**
